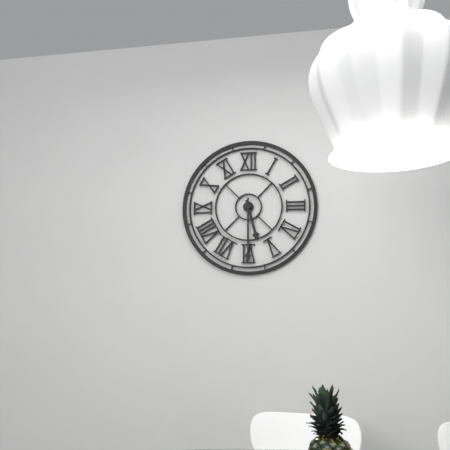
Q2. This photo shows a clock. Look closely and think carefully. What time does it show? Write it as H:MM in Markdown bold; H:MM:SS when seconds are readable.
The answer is **5:30**
